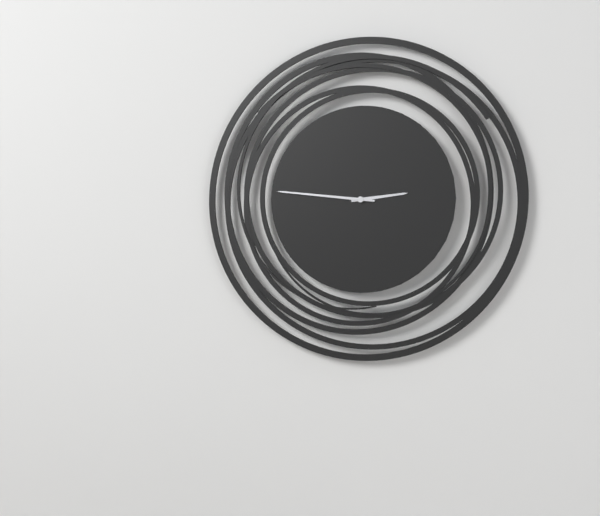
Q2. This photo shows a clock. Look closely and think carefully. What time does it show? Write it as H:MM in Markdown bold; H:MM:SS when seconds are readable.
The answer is **2:46**
